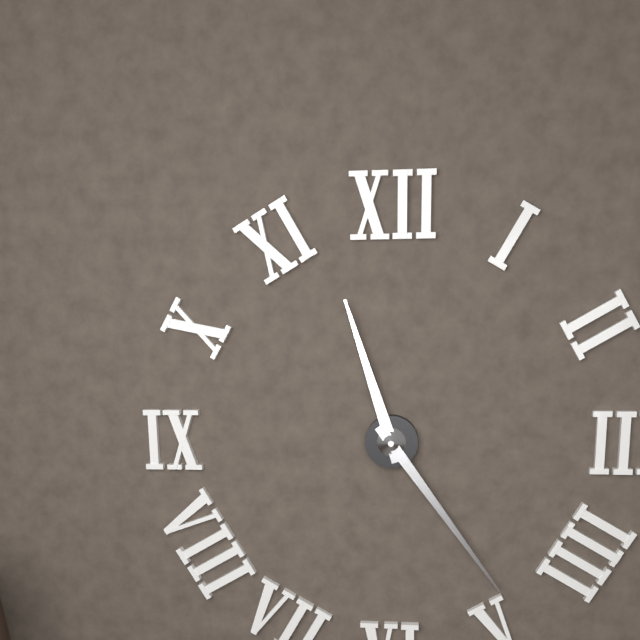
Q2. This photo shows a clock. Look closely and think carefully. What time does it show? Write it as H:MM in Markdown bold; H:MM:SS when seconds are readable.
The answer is **11:24**
